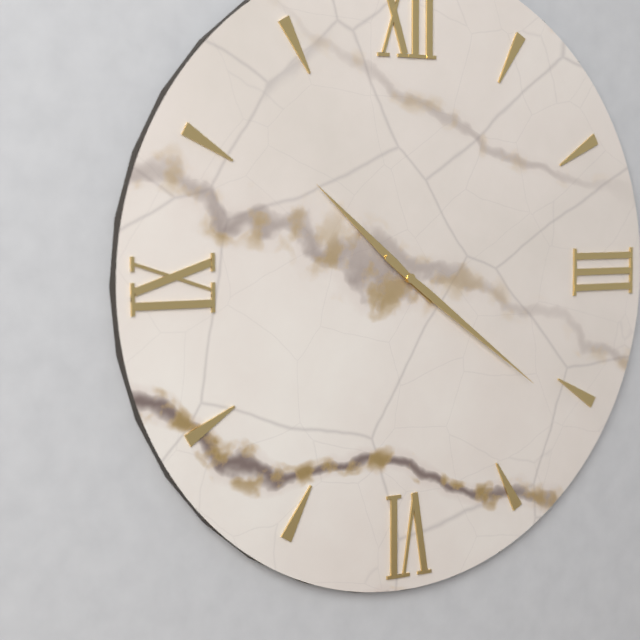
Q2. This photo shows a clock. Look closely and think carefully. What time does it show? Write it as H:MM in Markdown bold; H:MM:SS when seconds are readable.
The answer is **10:21**
